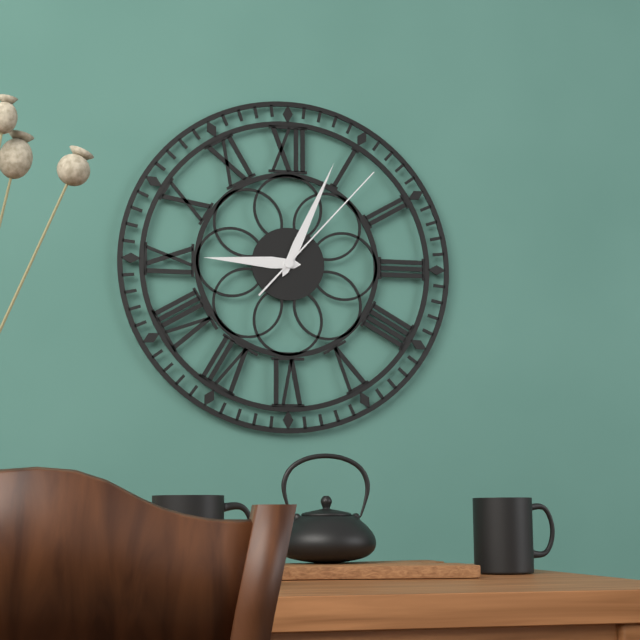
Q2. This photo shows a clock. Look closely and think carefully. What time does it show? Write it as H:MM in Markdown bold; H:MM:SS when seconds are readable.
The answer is **9:04:07**
